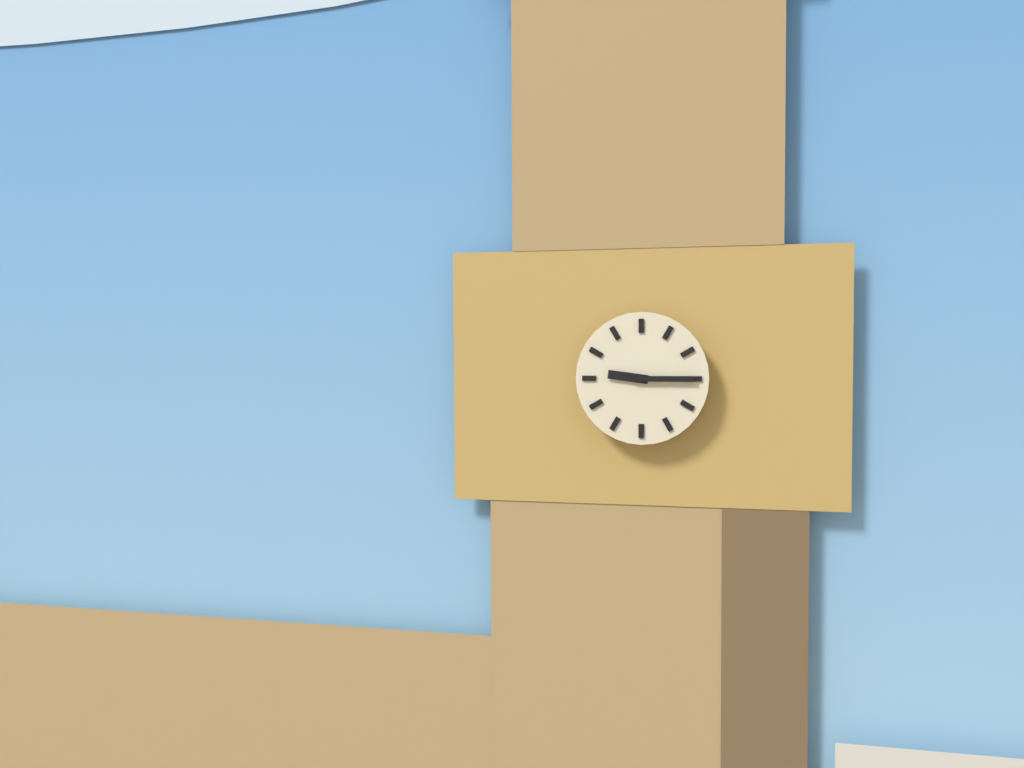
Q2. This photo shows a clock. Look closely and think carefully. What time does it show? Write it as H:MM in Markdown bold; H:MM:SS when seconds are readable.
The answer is **9:15**
